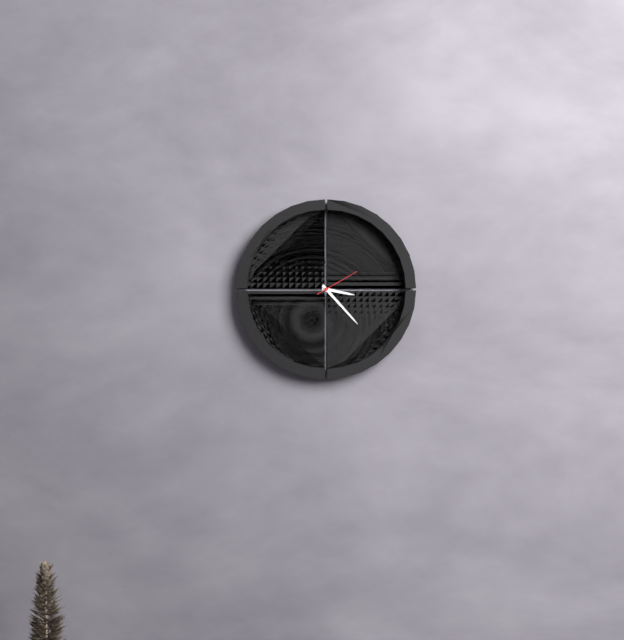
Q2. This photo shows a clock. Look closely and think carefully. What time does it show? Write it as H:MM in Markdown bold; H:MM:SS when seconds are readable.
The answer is **3:23**
